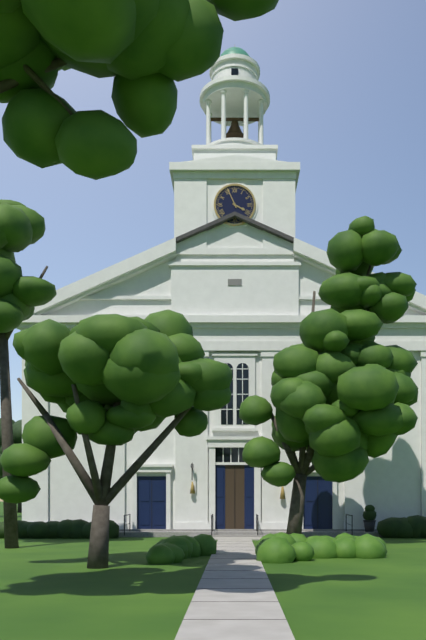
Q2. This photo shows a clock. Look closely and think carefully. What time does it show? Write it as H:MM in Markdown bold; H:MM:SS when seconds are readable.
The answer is **3:56**
